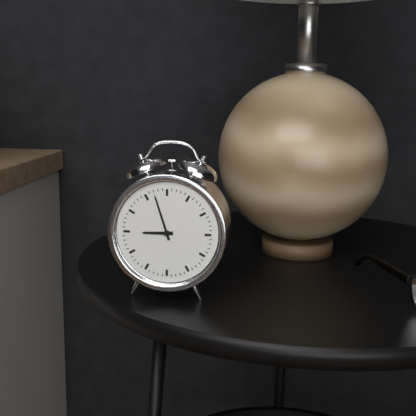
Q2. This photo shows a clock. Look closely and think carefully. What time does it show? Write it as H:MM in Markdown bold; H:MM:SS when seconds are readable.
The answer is **8:57**
